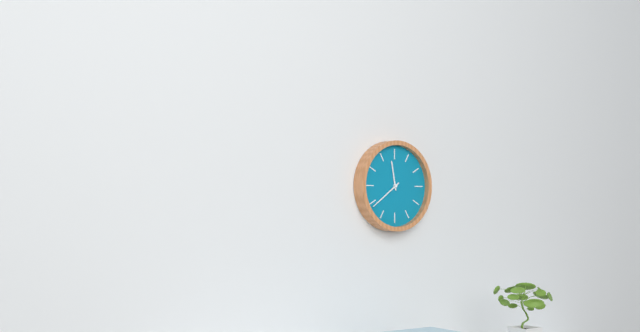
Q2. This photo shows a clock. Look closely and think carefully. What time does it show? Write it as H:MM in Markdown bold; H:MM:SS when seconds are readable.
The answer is **11:39**
